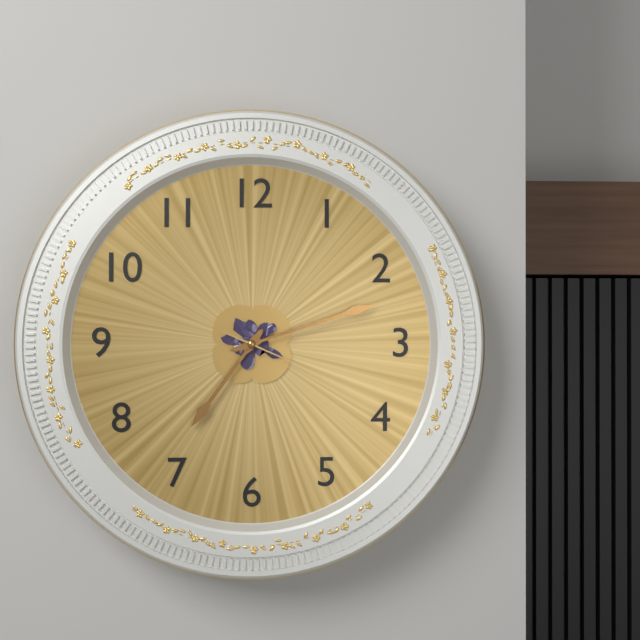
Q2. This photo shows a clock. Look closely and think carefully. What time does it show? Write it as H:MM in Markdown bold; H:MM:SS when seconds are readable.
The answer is **7:12:19**
